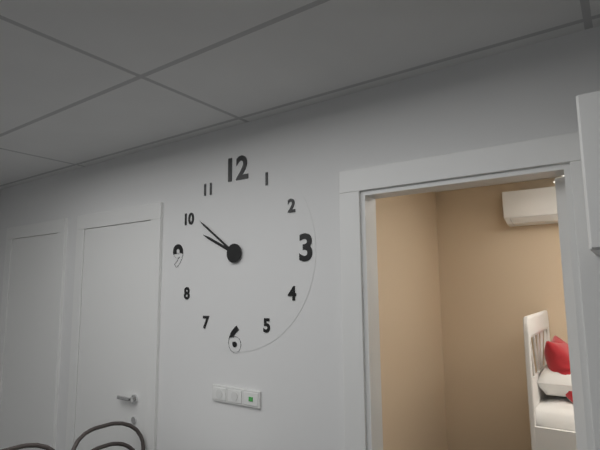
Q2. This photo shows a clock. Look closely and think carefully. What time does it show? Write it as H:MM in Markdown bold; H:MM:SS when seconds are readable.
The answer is **9:51**
